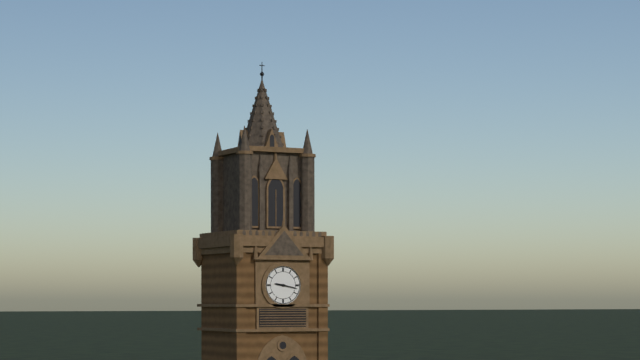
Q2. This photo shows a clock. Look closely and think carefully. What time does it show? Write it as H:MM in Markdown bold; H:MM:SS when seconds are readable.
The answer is **9:17**
